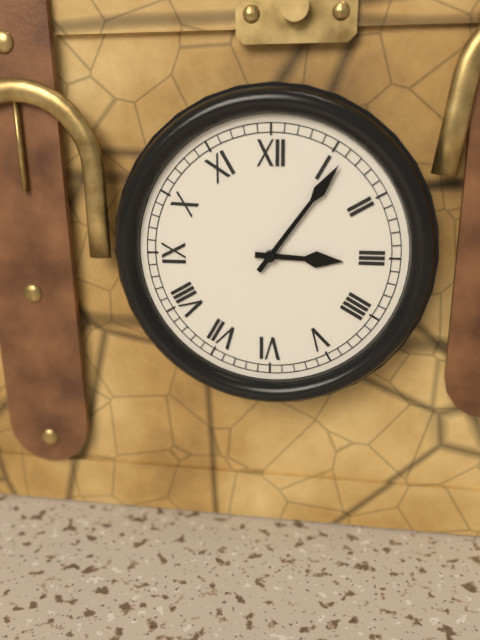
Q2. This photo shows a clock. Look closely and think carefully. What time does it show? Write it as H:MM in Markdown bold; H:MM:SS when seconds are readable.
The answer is **3:06**
